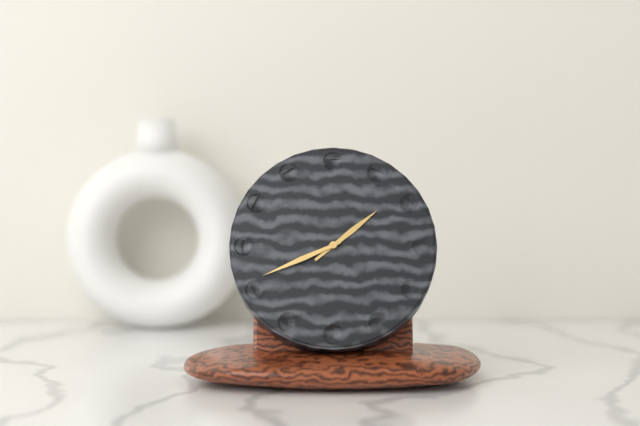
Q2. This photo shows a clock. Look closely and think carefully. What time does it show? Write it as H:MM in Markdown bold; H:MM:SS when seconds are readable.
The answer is **1:41**
